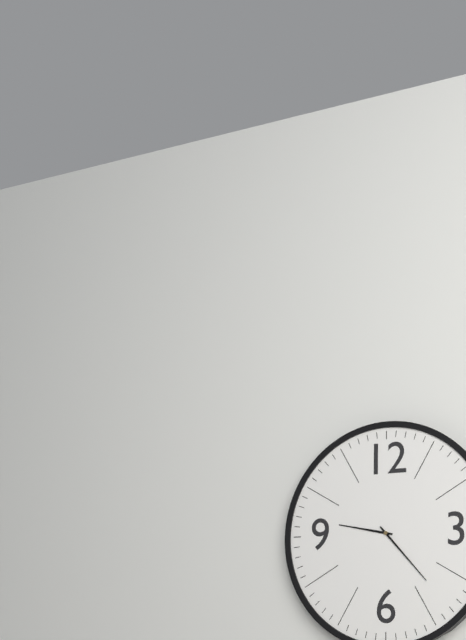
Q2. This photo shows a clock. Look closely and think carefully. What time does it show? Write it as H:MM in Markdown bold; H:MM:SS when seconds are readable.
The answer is **9:23**
